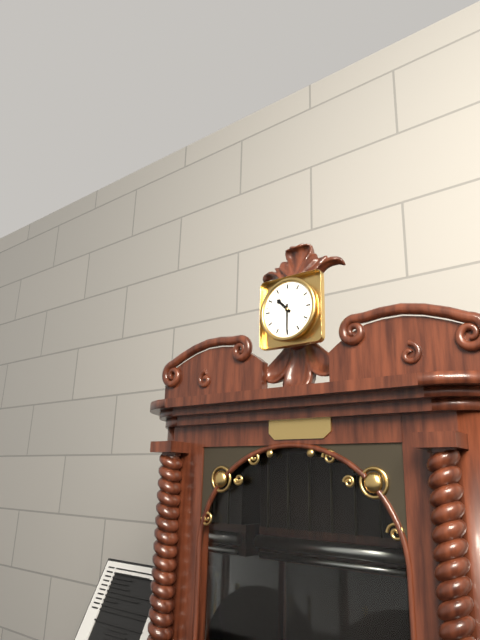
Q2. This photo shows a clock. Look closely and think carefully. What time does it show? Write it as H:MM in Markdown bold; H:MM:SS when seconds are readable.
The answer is **10:30**
